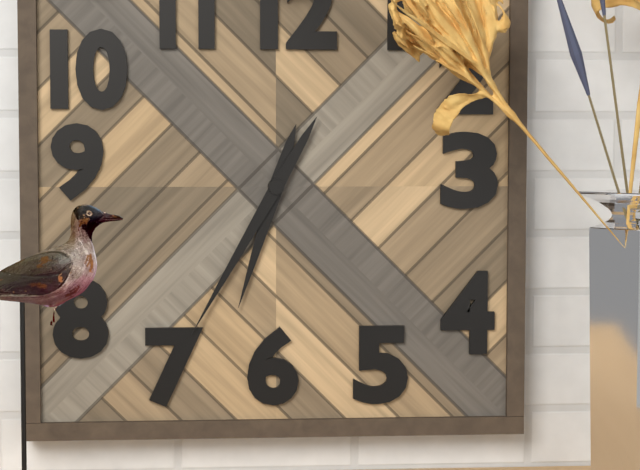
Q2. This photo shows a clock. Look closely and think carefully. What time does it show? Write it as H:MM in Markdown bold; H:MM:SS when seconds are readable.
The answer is **6:35**
